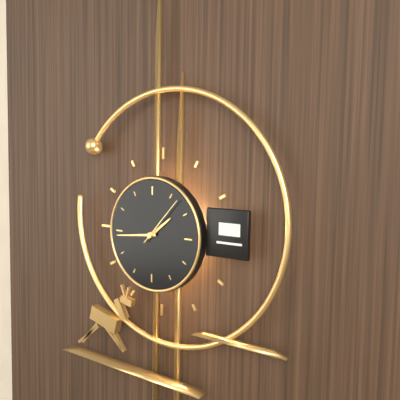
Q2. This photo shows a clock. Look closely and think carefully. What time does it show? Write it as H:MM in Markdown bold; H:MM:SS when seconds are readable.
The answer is **1:44:07**
